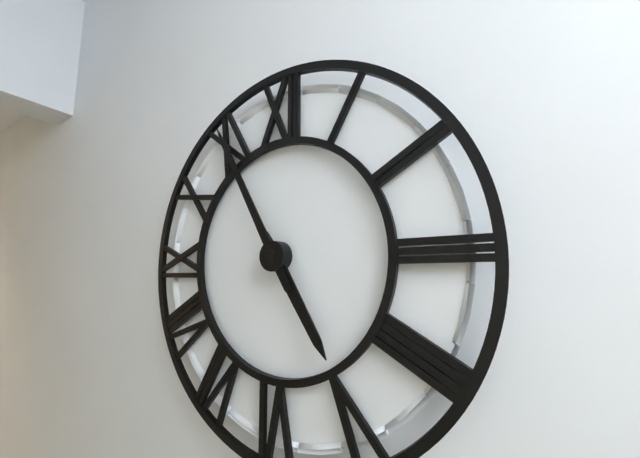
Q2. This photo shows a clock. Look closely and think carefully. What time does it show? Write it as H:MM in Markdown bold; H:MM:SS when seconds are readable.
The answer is **4:55**
